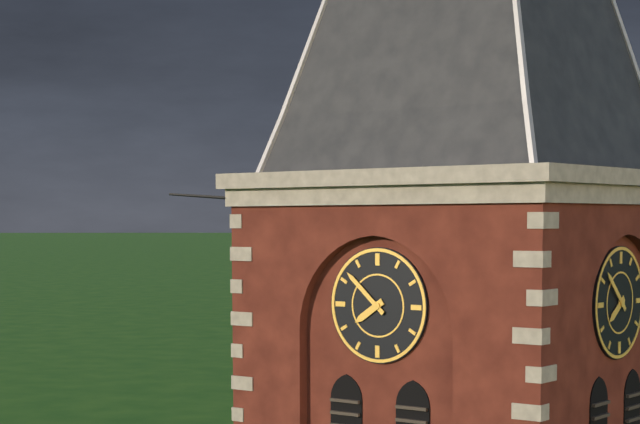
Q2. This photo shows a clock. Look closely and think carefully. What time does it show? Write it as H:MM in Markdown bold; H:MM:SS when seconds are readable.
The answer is **7:52**
